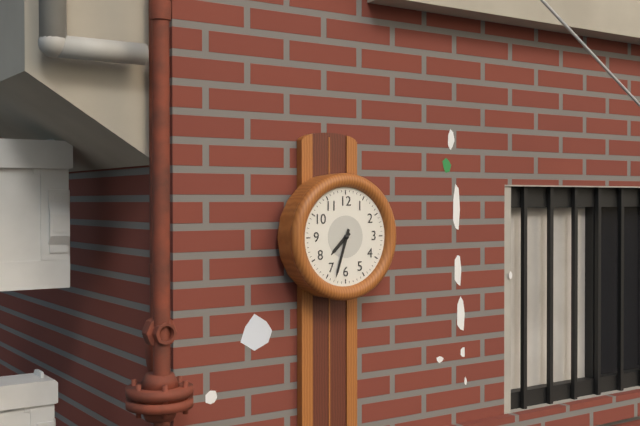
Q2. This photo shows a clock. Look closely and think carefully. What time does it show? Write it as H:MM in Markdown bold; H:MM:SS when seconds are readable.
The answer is **7:33**
